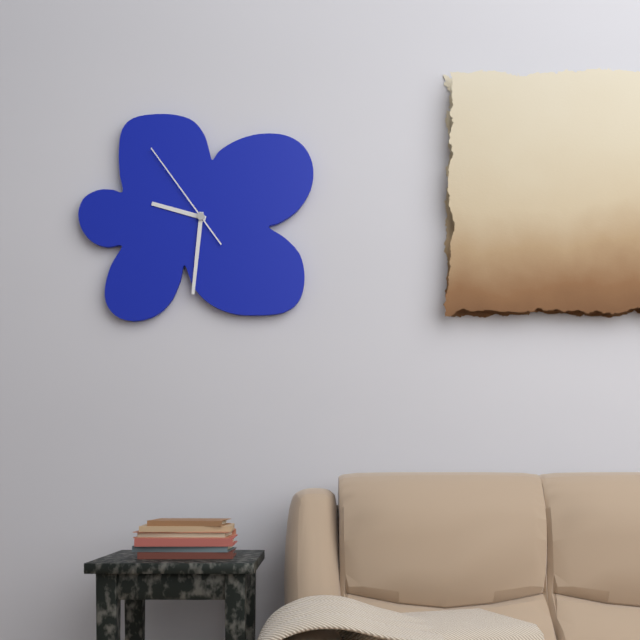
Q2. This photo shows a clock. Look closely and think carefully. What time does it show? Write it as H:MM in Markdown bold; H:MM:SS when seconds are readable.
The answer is **9:31:54**
